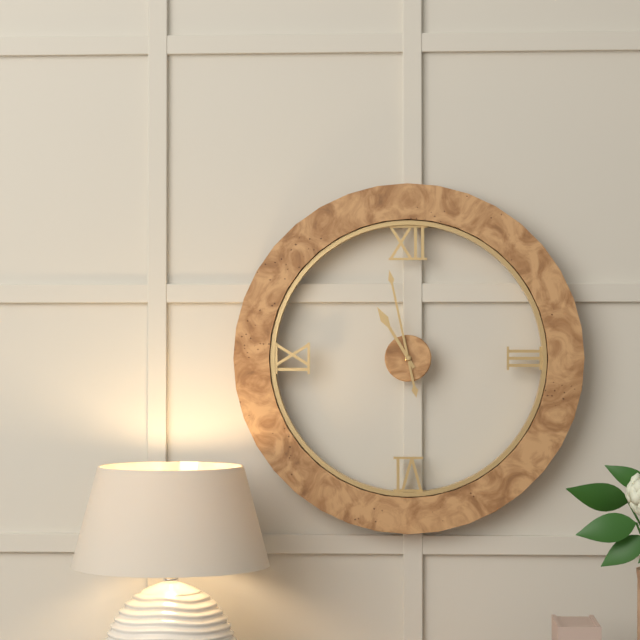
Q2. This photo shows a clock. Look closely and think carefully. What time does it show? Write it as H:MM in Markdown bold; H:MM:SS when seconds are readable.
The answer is **10:58**
